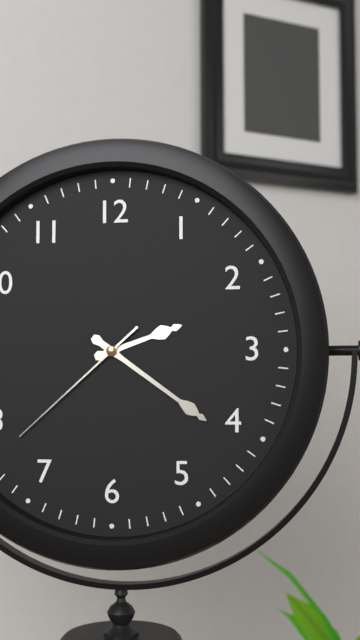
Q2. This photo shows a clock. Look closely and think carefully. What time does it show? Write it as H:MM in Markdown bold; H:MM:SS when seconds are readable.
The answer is **2:21:38**
